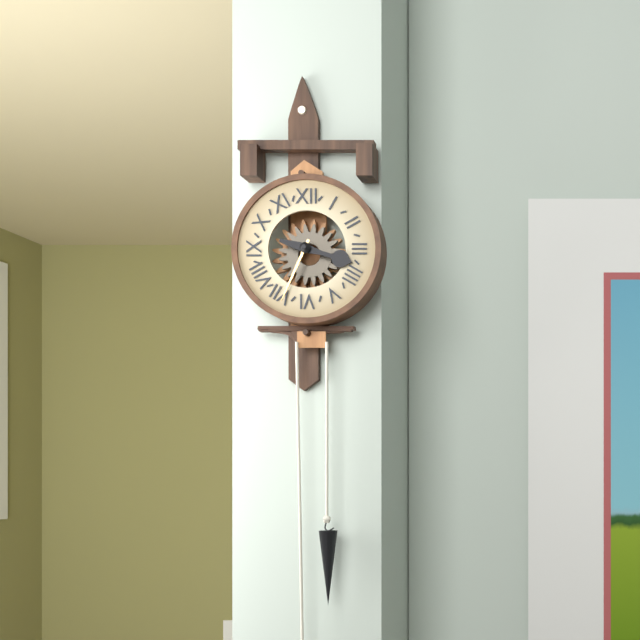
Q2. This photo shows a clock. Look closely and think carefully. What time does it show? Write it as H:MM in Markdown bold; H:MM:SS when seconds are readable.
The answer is **3:34**
